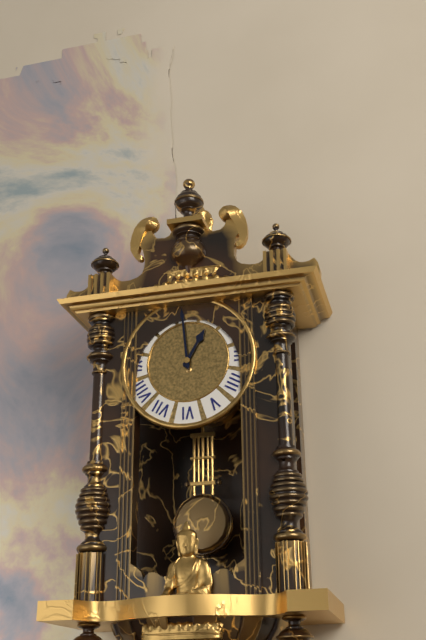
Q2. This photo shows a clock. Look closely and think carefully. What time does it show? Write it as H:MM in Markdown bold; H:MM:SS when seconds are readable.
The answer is **12:59**
